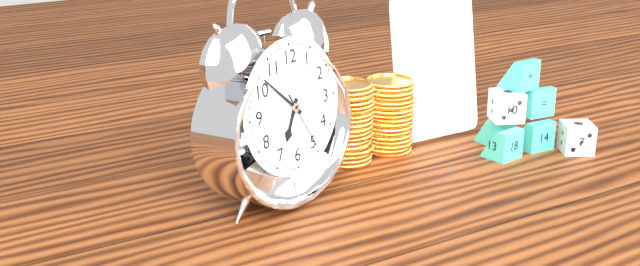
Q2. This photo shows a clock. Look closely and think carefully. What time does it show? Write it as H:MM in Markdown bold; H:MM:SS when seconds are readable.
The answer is **6:52:25**
